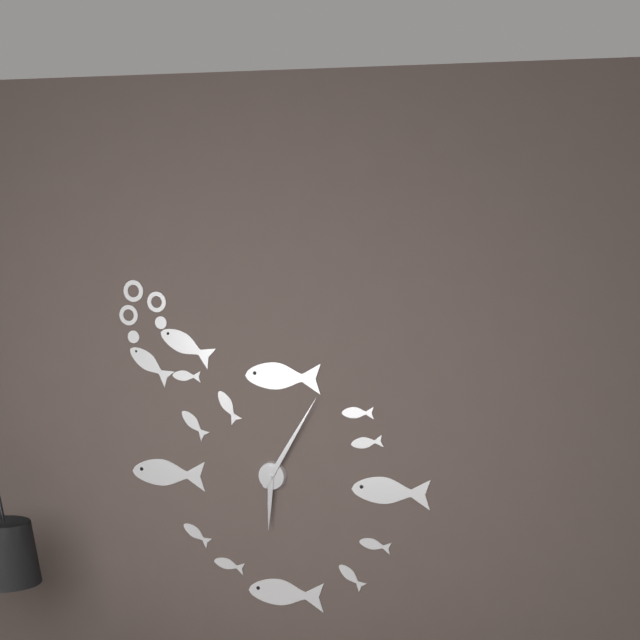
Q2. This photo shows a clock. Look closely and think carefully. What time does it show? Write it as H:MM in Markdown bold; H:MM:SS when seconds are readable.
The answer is **6:05**
